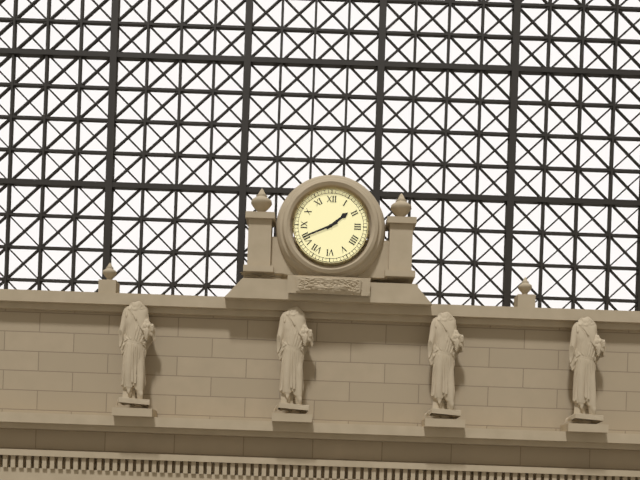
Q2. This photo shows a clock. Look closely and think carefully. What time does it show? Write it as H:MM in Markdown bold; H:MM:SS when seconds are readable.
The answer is **1:41**
